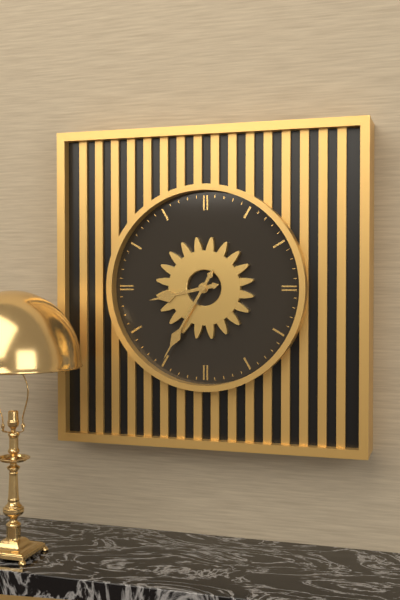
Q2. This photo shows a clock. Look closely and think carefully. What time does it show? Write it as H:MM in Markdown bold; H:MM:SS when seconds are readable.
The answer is **8:35**
